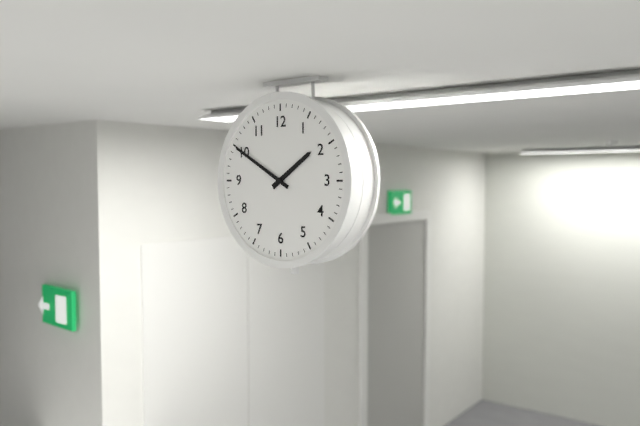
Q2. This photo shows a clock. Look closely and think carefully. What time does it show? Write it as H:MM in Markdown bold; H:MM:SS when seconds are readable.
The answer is **1:50**
